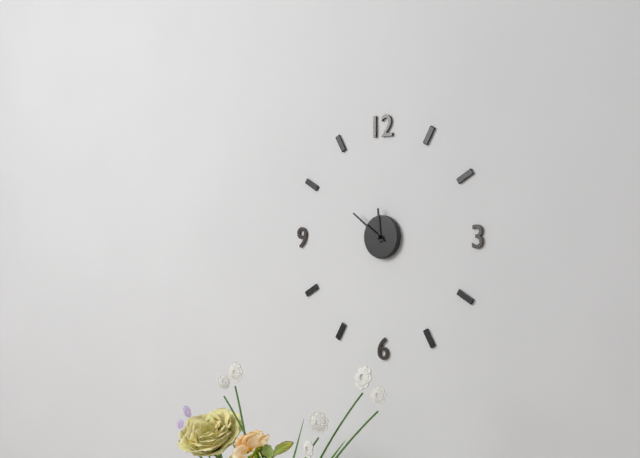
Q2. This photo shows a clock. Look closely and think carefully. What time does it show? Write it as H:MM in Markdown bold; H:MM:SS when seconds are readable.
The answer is **11:51**
